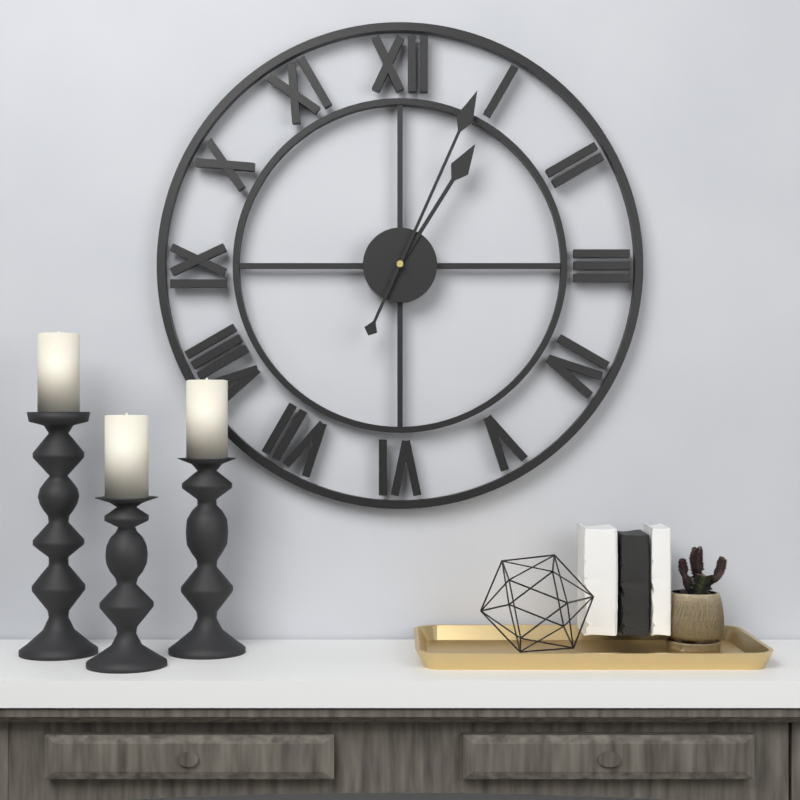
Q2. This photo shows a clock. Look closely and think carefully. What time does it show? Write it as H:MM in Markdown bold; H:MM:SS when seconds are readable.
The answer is **1:04**
